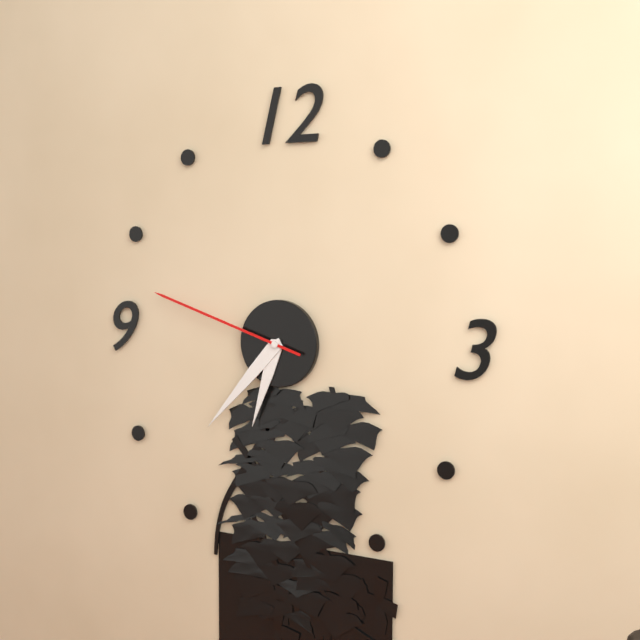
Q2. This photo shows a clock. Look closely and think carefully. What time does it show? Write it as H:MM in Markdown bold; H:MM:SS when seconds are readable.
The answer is **6:37:48**
